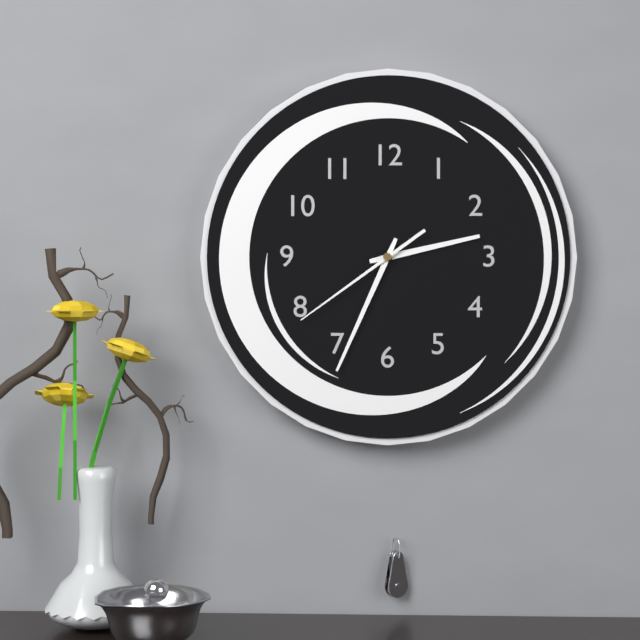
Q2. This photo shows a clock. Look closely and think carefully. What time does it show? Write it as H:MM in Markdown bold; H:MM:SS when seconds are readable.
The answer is **2:34:39**
